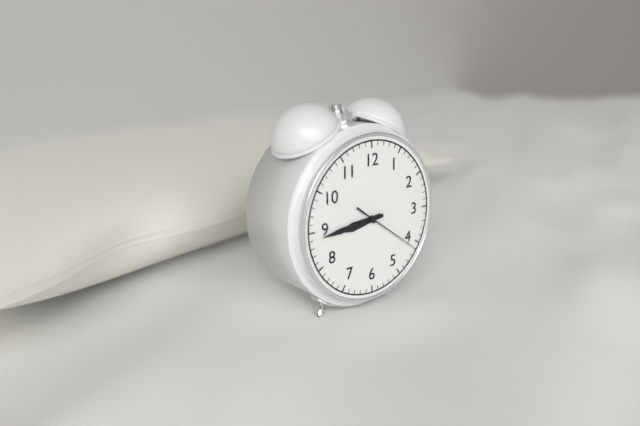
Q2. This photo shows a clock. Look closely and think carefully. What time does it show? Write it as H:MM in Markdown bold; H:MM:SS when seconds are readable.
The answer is **8:44:21**
